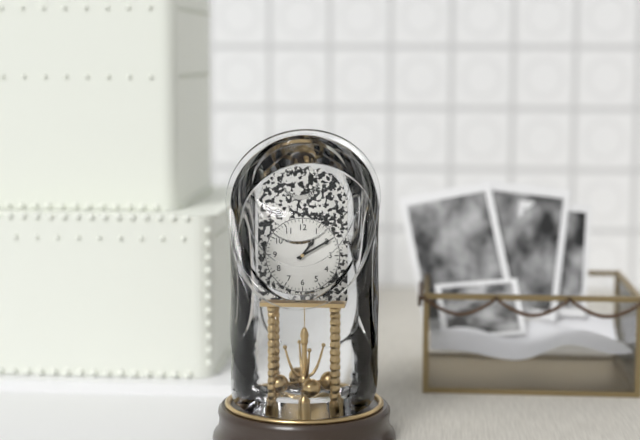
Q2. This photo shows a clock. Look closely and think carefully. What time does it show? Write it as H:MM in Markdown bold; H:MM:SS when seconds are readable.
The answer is **1:10**
